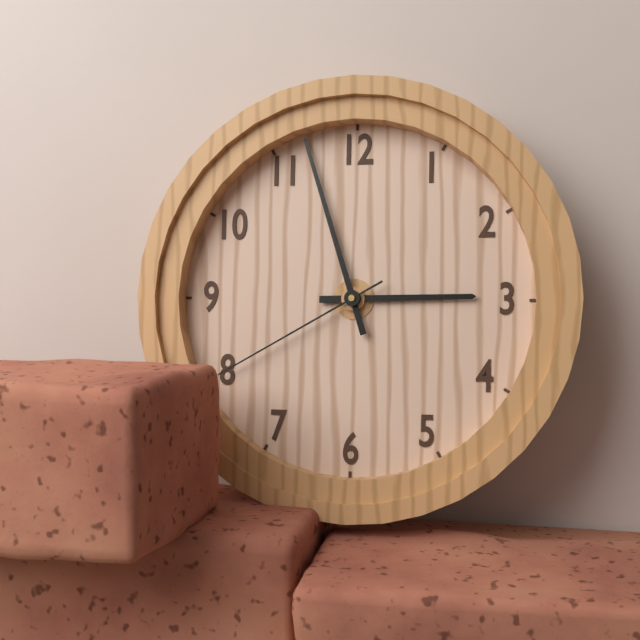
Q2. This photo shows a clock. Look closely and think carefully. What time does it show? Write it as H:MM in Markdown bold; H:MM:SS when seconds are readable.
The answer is **2:57:40**
